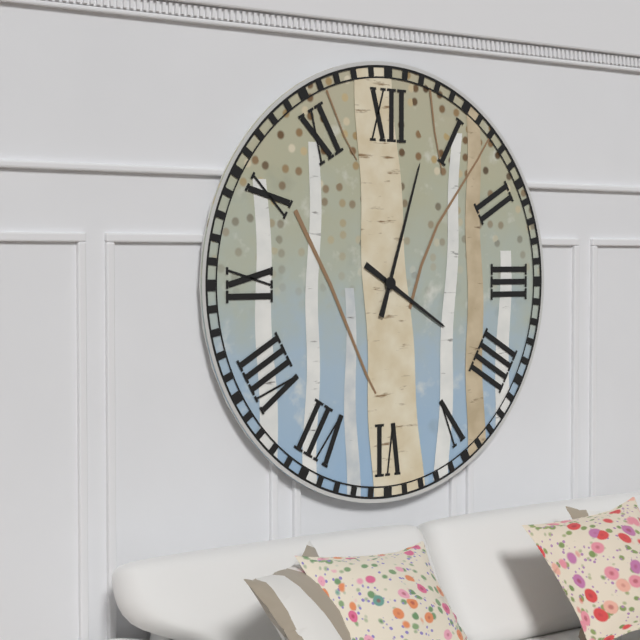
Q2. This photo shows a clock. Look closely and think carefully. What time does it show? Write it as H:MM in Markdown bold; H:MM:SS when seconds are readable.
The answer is **4:03**
